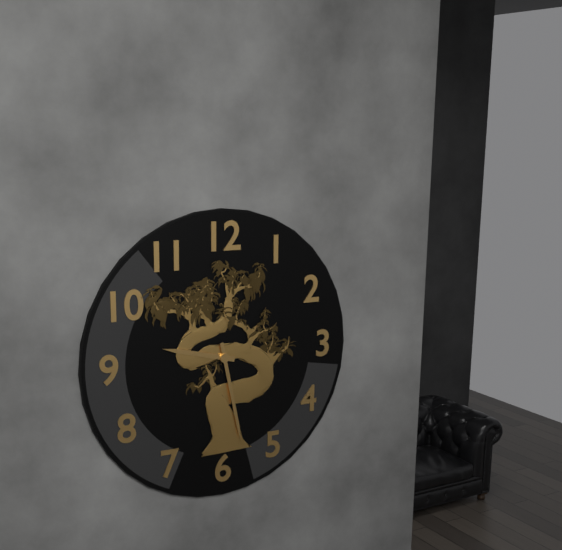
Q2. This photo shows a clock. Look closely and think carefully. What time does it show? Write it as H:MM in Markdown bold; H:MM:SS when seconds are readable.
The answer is **9:28**
